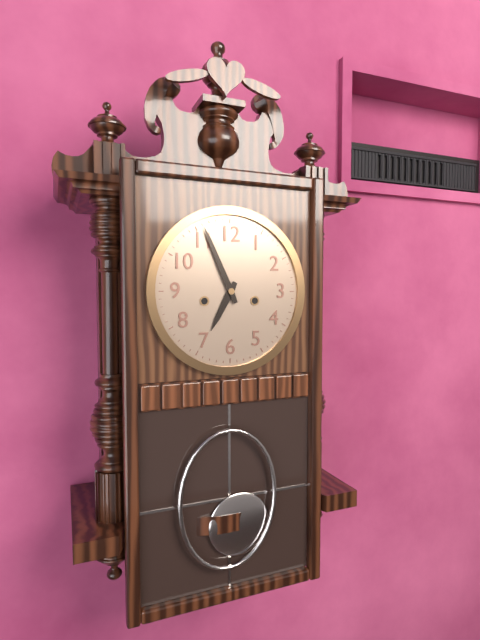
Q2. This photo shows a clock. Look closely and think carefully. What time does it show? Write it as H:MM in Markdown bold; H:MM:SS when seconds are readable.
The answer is **6:56**
